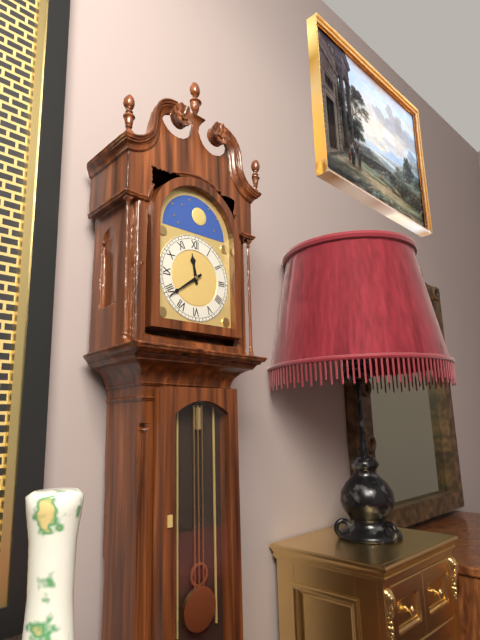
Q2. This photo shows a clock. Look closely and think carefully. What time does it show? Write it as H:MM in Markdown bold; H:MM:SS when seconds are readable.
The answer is **11:39**
